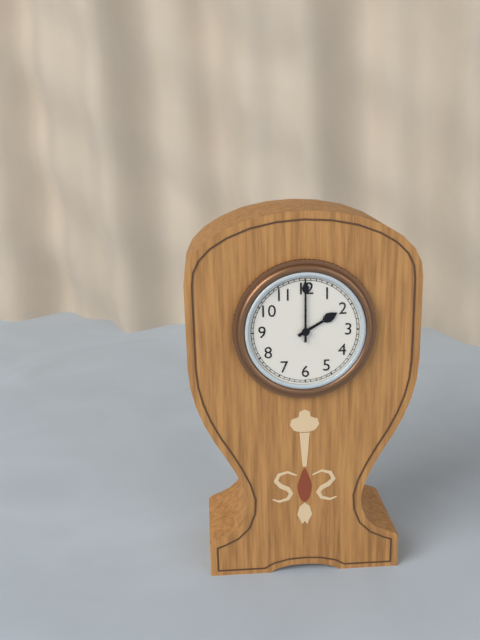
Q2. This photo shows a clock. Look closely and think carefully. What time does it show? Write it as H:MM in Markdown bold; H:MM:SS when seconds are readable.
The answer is **2:00**
